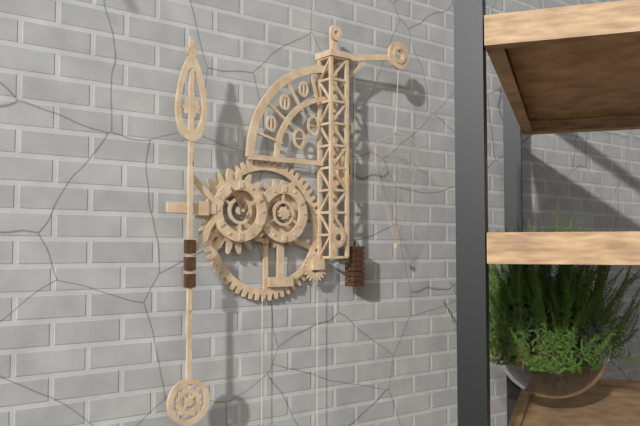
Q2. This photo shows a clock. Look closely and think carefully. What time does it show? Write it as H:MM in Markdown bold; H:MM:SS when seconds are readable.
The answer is **11:55**
